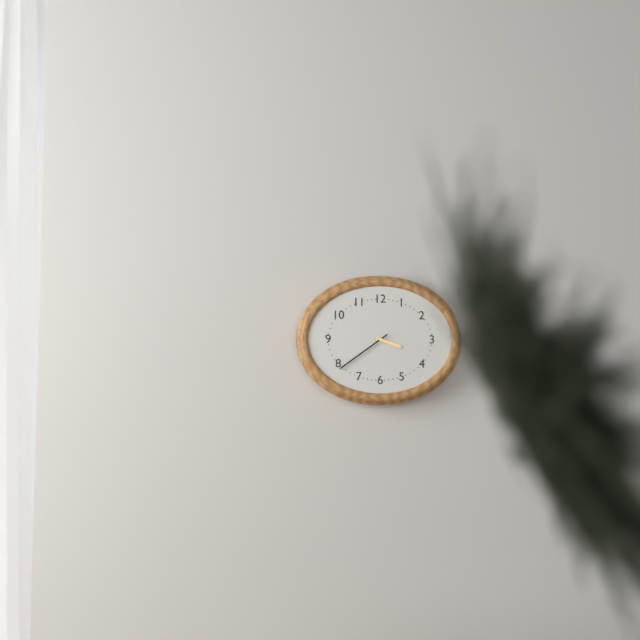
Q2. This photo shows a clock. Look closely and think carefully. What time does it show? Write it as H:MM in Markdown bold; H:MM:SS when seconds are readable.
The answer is **3:39**
